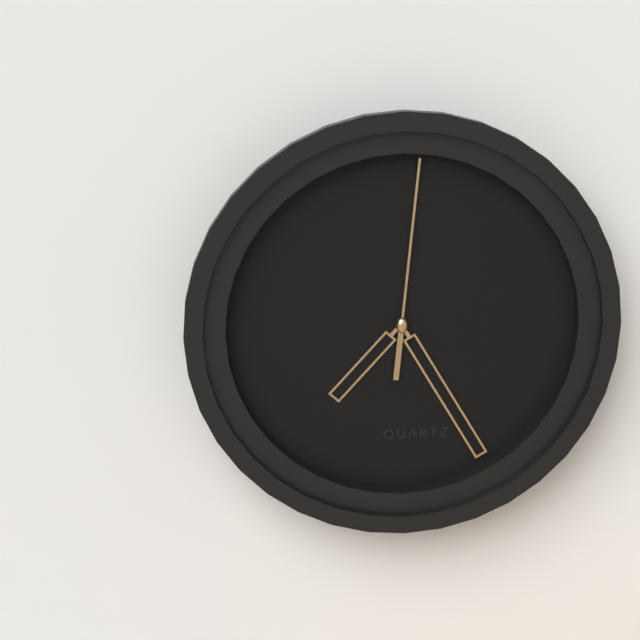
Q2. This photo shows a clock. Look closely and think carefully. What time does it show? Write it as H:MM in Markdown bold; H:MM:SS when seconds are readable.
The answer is **7:25:01**
